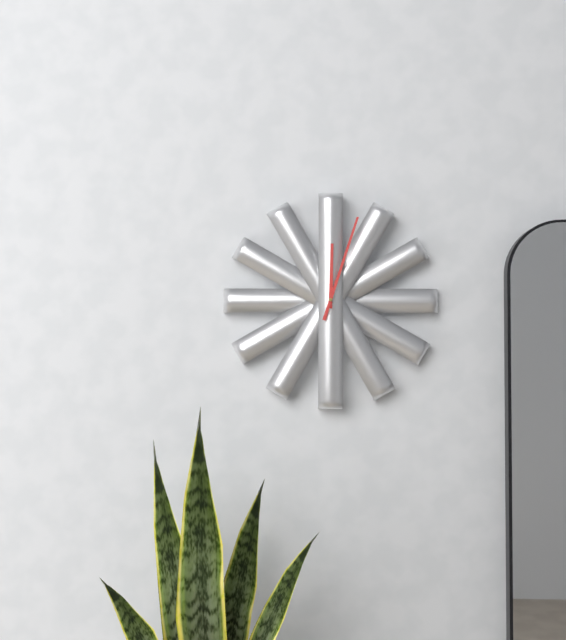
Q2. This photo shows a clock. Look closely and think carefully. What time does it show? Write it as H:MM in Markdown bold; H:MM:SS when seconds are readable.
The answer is **12:03**
